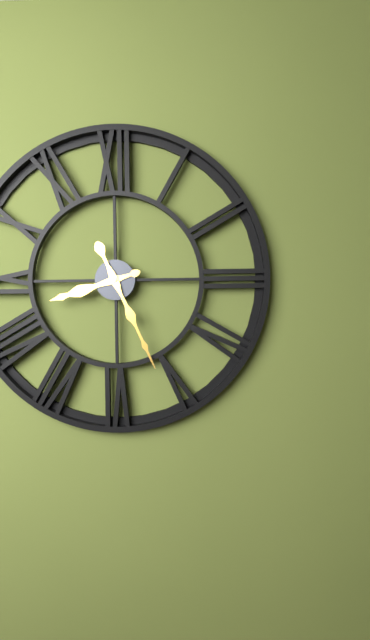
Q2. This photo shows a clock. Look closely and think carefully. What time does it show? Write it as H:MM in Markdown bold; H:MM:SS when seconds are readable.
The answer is **8:26**
